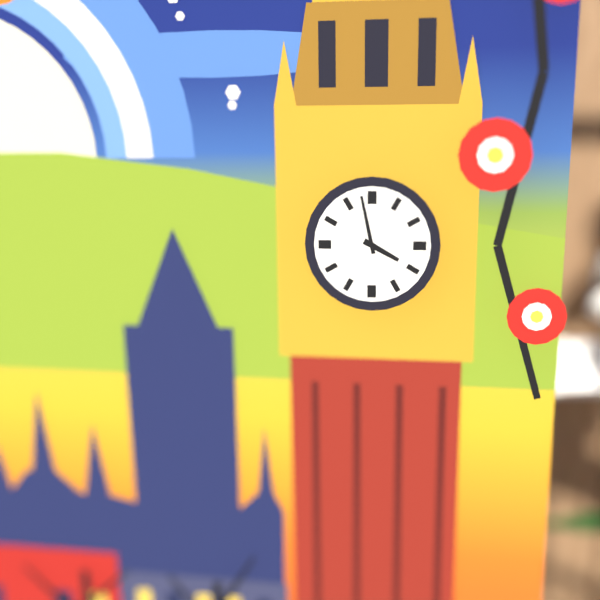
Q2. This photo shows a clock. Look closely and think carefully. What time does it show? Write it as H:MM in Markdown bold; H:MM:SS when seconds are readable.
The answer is **3:58**
